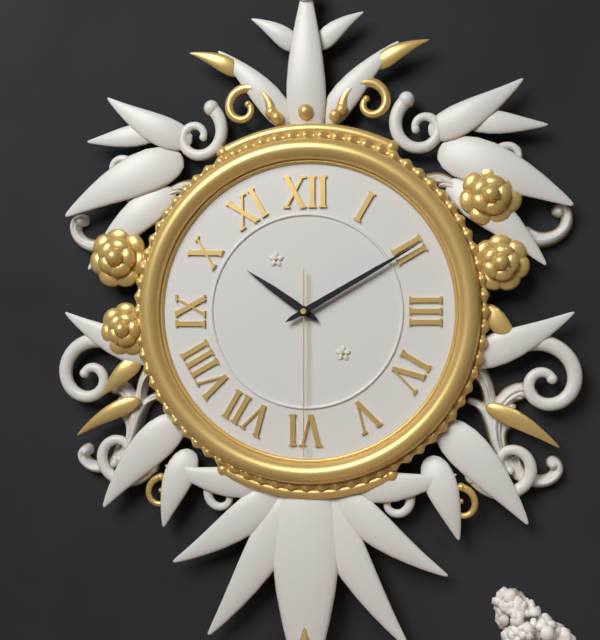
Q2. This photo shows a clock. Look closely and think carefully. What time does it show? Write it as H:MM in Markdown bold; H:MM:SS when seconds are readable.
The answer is **10:10:30**
